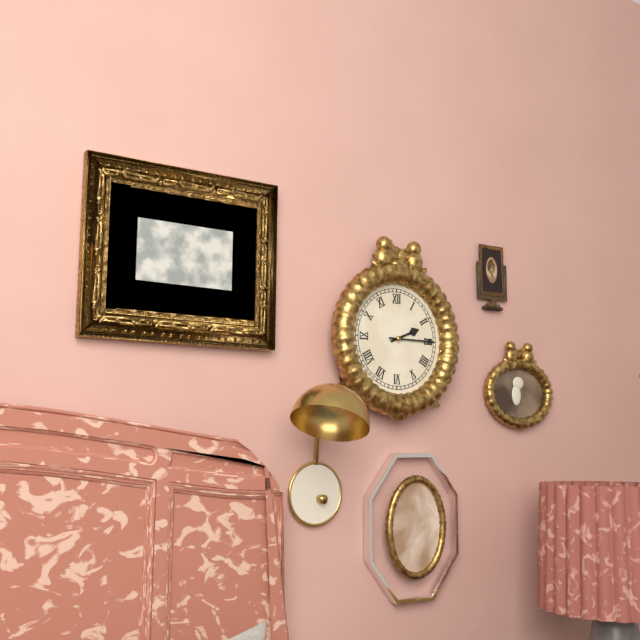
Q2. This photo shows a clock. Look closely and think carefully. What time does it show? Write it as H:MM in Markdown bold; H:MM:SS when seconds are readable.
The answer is **2:15**
